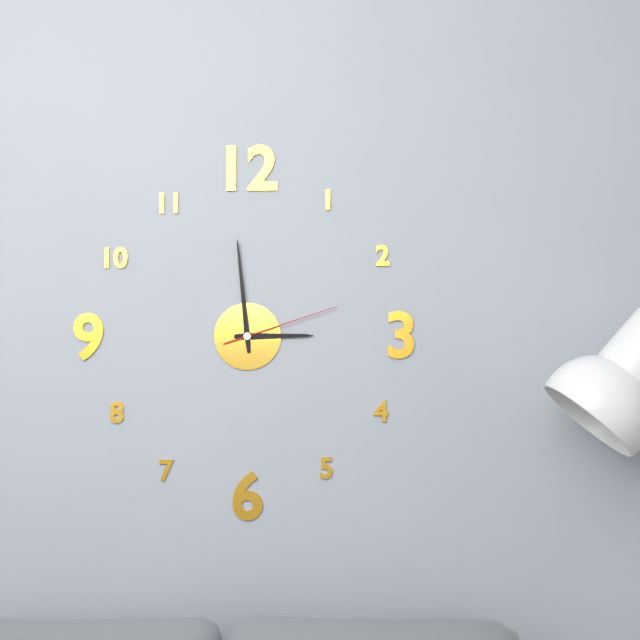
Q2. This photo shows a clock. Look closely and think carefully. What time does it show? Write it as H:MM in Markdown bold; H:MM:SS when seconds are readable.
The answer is **2:59:12**
